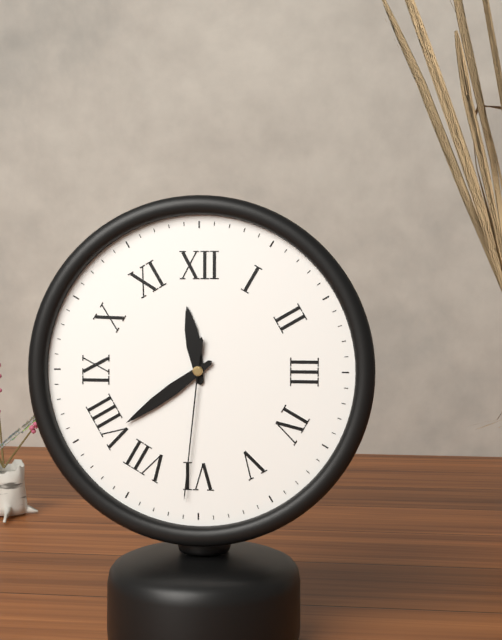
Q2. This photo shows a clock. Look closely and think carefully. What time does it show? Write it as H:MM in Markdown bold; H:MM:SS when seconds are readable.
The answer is **11:39:31**
